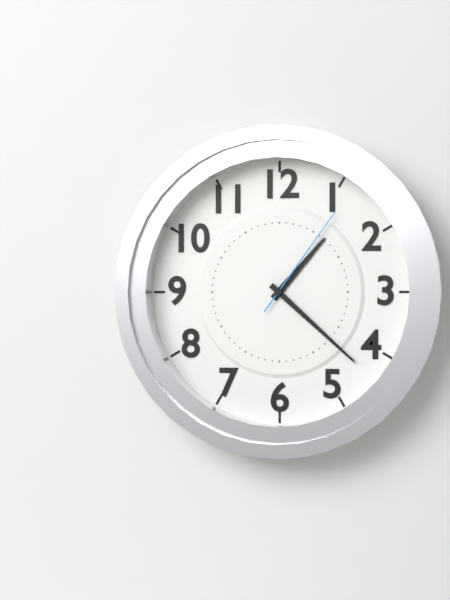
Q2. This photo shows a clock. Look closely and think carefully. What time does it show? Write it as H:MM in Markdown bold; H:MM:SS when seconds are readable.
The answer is **1:22:06**
